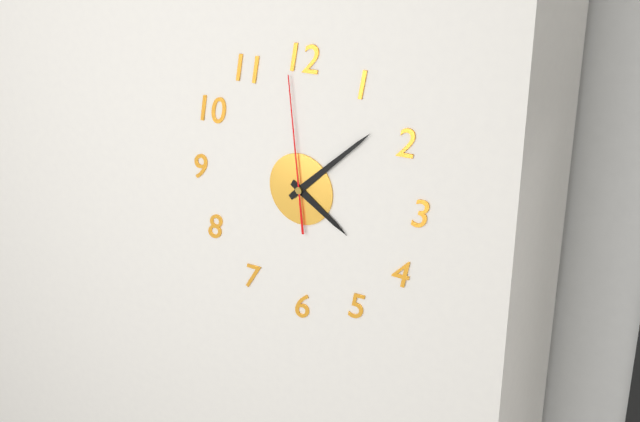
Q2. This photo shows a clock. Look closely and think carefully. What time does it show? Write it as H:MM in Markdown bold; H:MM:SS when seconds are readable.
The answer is **4:08:59**
